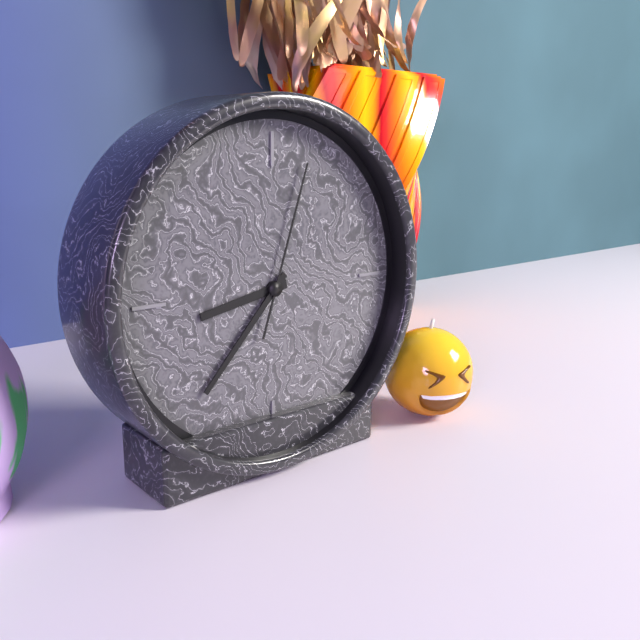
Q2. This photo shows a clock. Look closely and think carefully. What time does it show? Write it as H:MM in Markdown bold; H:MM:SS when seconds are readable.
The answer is **8:37:03**
